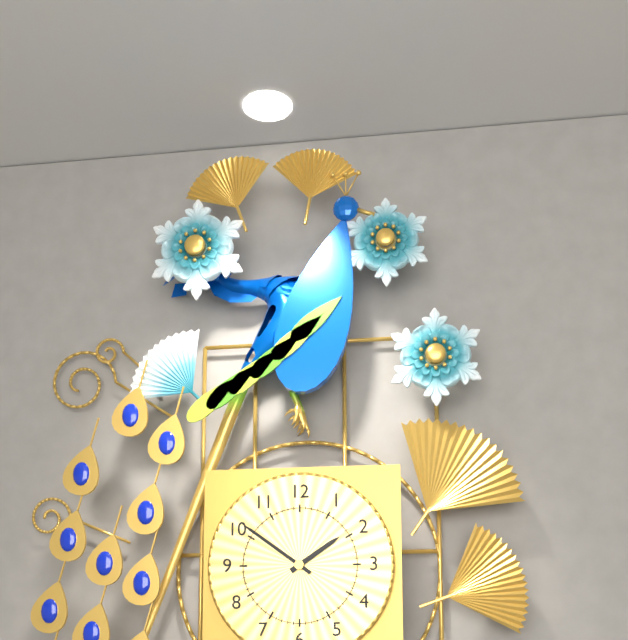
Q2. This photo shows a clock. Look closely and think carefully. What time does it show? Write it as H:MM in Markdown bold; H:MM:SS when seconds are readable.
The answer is **1:51**
